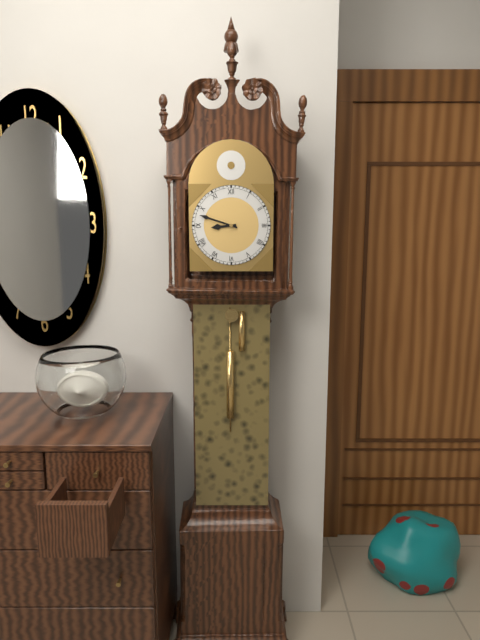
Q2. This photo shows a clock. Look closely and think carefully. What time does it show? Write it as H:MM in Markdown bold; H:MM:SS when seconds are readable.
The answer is **8:48**
